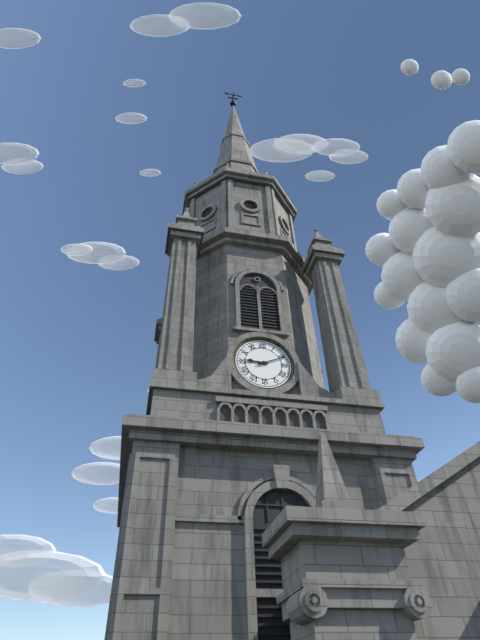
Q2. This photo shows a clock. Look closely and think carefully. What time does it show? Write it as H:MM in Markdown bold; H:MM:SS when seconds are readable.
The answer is **9:11**
